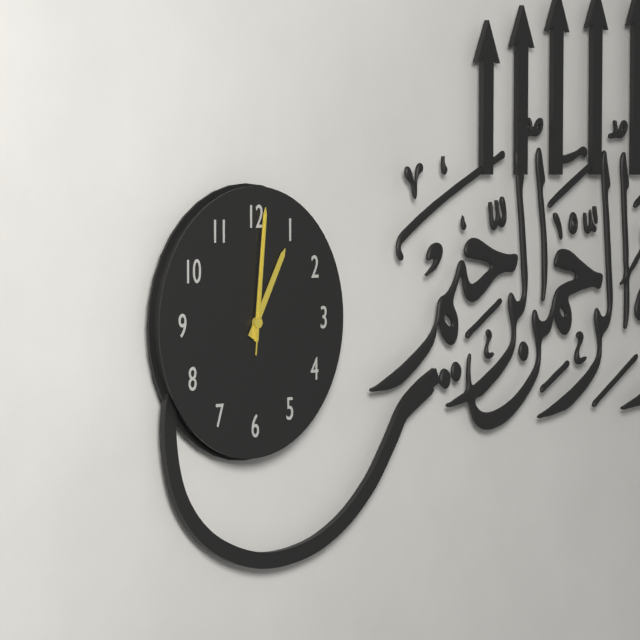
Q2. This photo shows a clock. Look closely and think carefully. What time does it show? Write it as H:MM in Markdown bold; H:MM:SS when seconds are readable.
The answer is **1:01:01**
